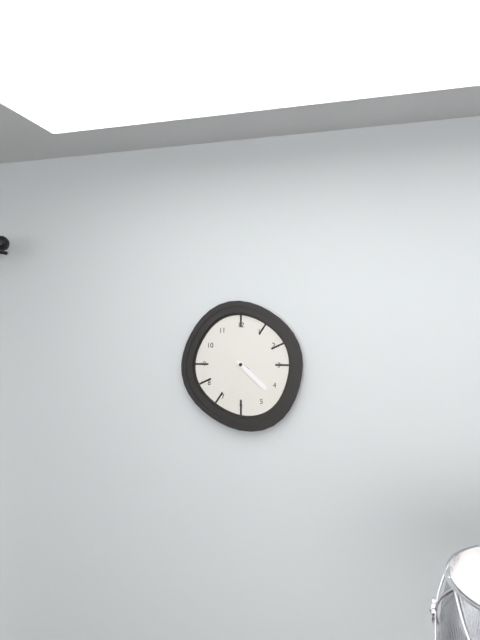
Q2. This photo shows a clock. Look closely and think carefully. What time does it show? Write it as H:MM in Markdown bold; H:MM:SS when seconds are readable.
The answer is **4:22**
